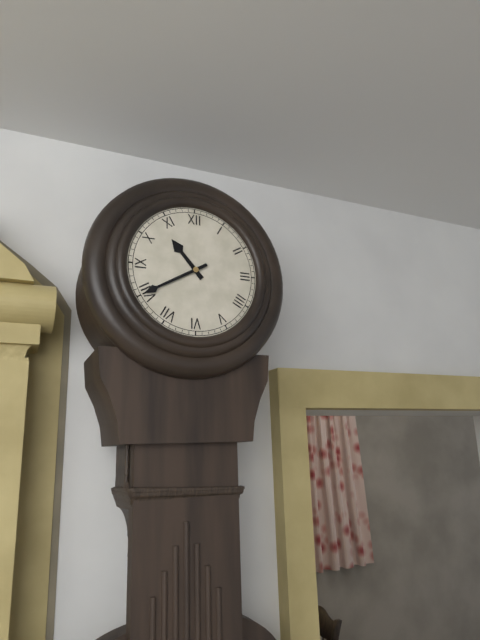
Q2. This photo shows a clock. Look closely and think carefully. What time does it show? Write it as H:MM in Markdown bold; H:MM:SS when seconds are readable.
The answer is **10:40**
